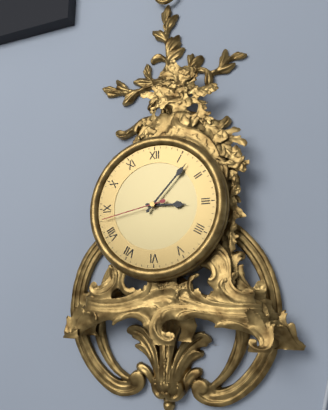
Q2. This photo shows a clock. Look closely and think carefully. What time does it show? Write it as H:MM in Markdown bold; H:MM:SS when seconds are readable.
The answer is **3:07:43**
